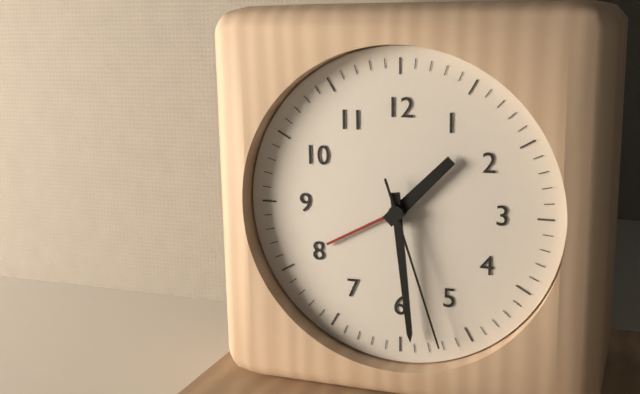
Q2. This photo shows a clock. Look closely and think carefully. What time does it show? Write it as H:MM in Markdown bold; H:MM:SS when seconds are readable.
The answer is **1:29:27**
